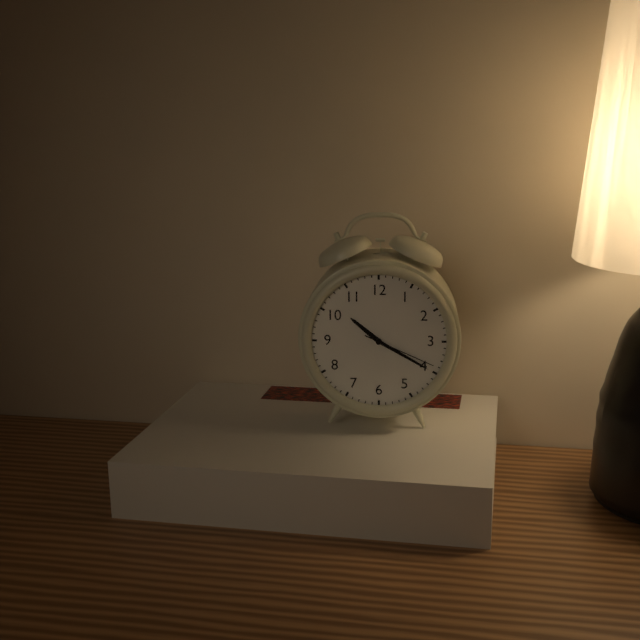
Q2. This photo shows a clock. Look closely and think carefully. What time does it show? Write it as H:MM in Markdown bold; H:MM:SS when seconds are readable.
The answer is **10:20:19**
